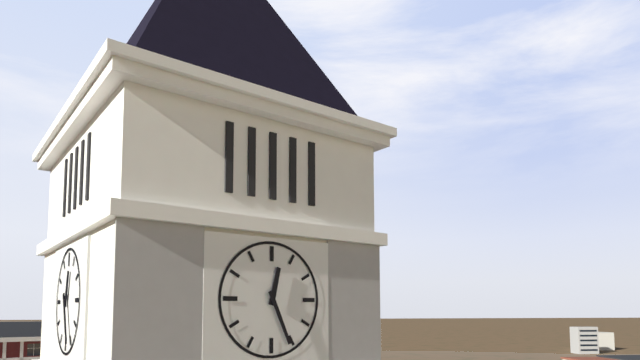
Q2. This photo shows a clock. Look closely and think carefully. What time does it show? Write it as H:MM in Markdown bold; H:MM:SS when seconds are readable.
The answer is **12:26**
